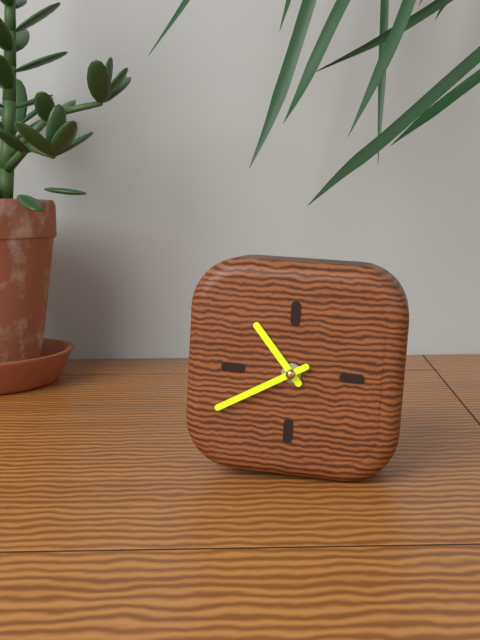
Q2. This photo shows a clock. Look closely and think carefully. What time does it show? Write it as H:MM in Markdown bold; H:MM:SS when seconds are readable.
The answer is **10:40**
